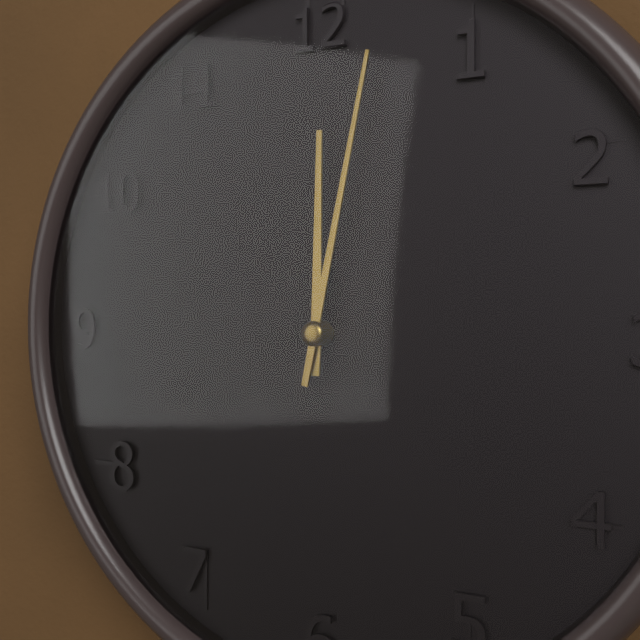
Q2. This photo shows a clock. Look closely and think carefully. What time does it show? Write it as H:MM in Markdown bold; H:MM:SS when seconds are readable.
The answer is **12:02**
